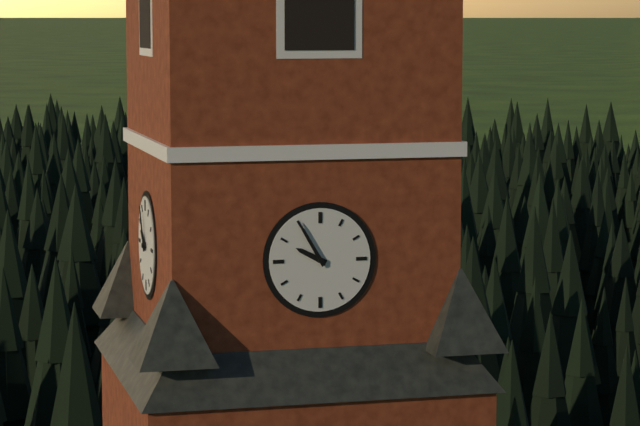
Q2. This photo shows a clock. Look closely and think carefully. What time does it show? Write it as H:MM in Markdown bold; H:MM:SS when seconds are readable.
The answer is **9:55**
